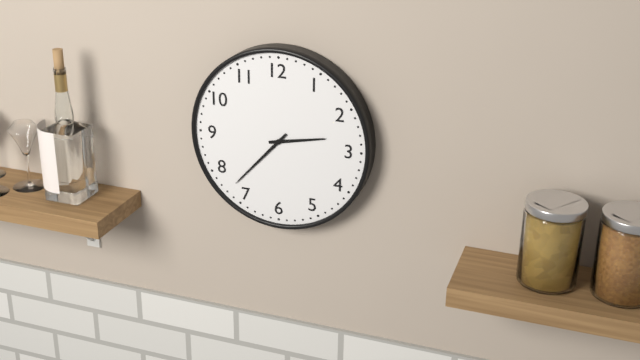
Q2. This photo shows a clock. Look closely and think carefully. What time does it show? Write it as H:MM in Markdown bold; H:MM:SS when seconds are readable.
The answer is **2:37**
